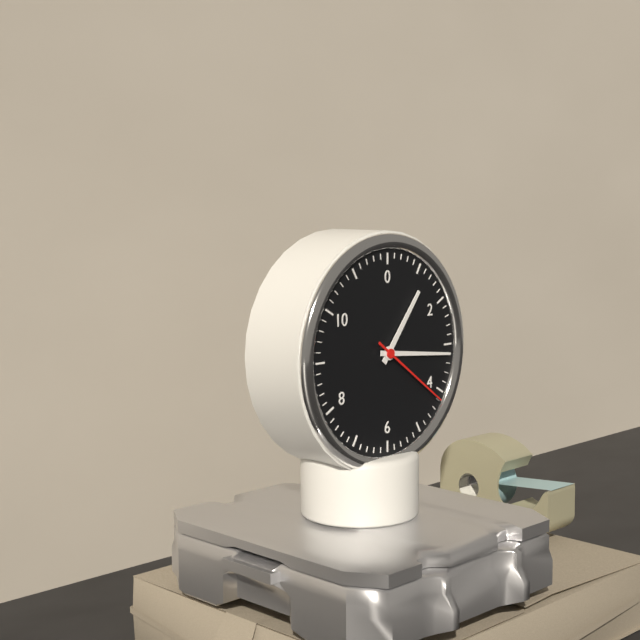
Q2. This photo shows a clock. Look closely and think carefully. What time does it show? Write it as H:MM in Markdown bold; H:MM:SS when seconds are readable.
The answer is **1:16:21**
